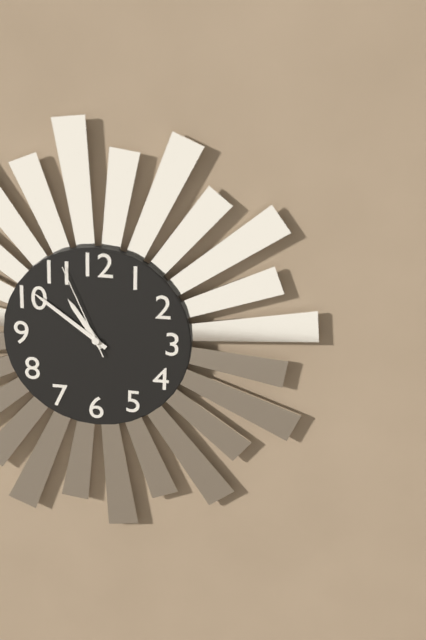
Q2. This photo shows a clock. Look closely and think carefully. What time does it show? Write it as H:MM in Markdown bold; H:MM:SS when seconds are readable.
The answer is **10:51:56**
